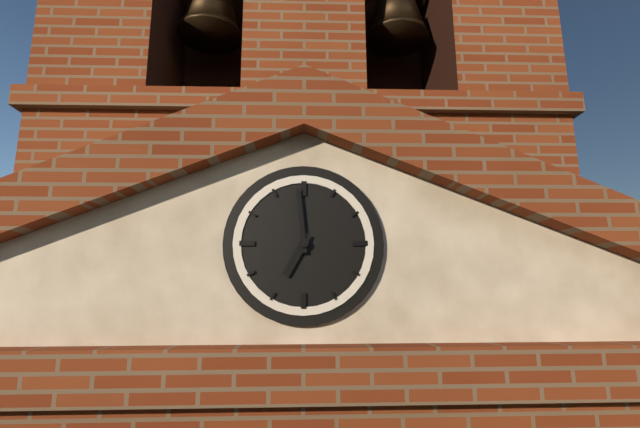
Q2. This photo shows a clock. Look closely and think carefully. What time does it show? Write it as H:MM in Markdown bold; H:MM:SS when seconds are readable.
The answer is **6:59**
